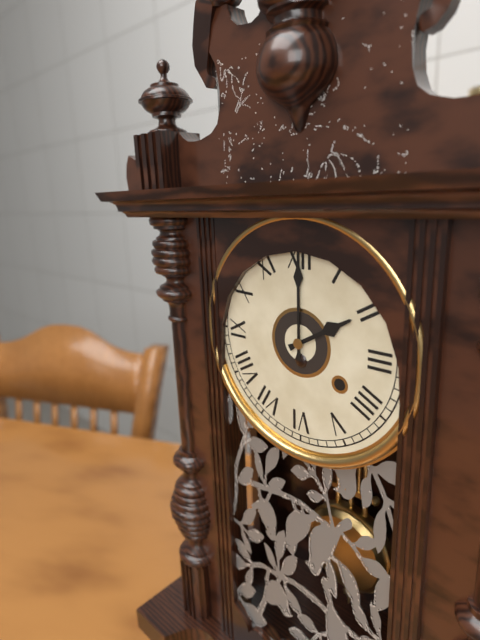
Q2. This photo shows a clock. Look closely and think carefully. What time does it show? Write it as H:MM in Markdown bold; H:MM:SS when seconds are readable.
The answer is **2:00**
